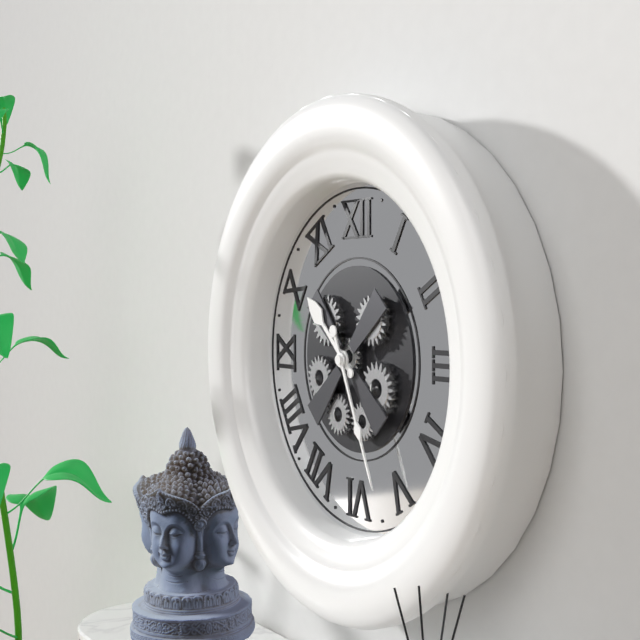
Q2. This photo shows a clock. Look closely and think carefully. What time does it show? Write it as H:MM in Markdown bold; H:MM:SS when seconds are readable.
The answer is **10:26**
